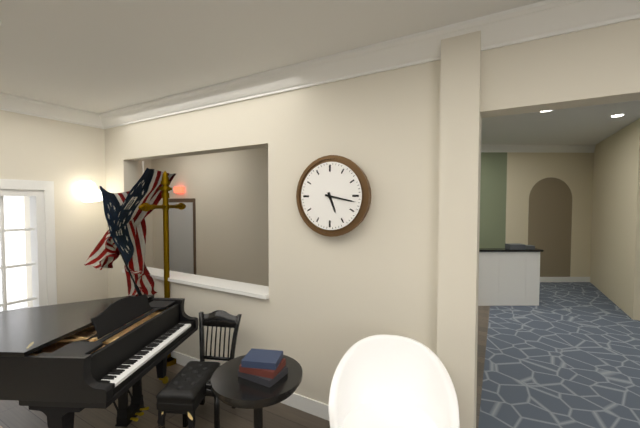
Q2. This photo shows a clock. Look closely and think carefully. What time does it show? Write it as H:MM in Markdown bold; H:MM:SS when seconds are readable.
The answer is **5:17**
